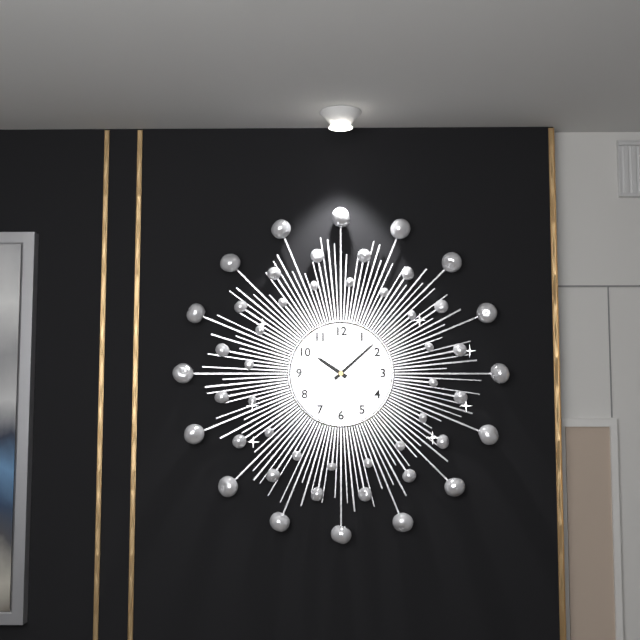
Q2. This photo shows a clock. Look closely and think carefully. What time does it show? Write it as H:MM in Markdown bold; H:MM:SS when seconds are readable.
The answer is **10:08**
